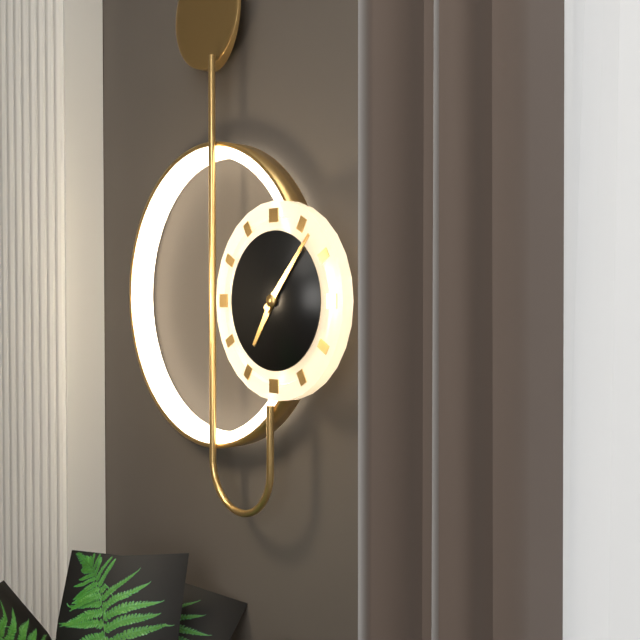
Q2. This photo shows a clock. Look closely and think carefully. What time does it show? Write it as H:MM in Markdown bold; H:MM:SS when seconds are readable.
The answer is **7:07**
